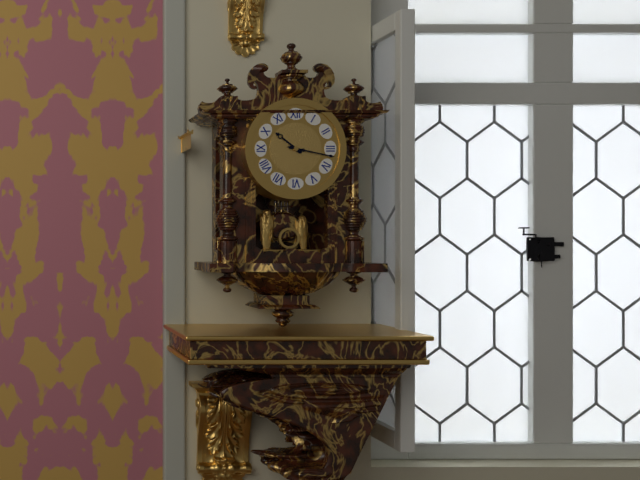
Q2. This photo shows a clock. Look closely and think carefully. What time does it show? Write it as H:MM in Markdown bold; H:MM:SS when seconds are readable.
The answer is **10:17**
